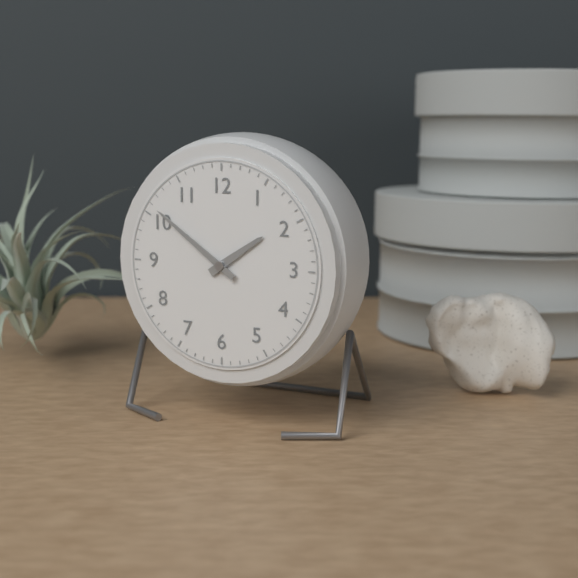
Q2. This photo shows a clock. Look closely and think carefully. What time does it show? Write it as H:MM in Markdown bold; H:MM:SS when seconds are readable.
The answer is **1:51**
